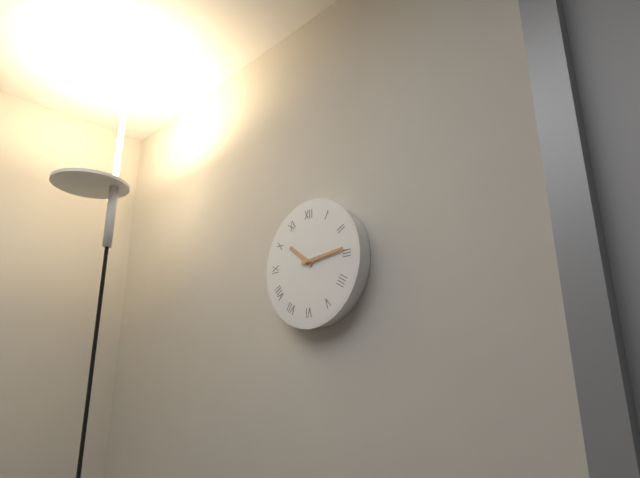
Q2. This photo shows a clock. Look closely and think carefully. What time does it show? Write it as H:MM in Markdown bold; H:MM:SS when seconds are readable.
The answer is **10:14**
